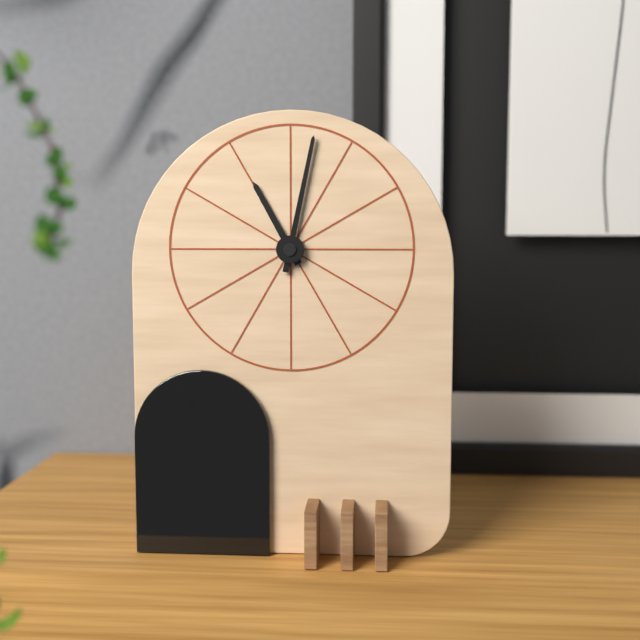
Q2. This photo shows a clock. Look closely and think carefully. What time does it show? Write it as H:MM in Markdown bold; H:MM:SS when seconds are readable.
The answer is **11:02**
